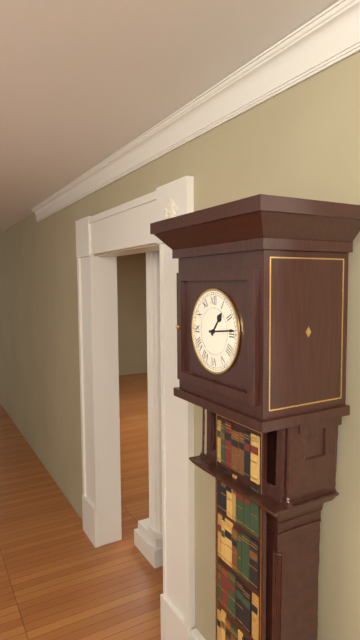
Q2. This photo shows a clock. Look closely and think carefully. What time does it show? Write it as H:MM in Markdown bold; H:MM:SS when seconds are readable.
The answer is **1:14**
